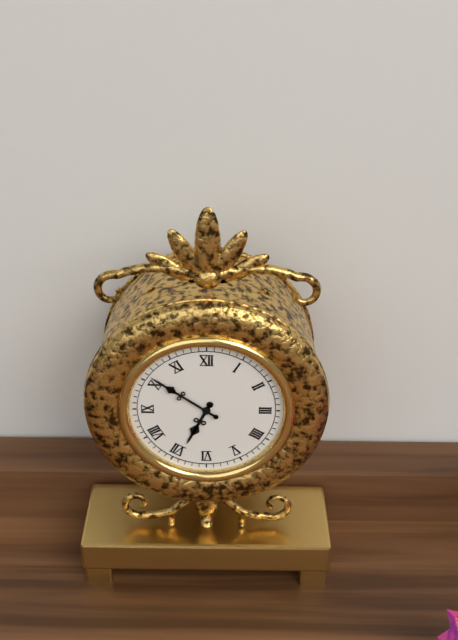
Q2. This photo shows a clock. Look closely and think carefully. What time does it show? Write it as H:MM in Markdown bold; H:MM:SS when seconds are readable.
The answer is **6:51**
